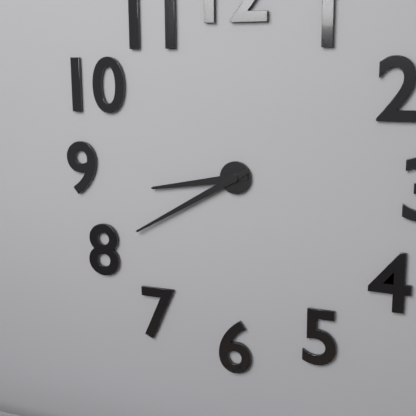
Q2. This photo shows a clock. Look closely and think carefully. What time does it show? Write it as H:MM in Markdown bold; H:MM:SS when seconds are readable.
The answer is **8:40**
